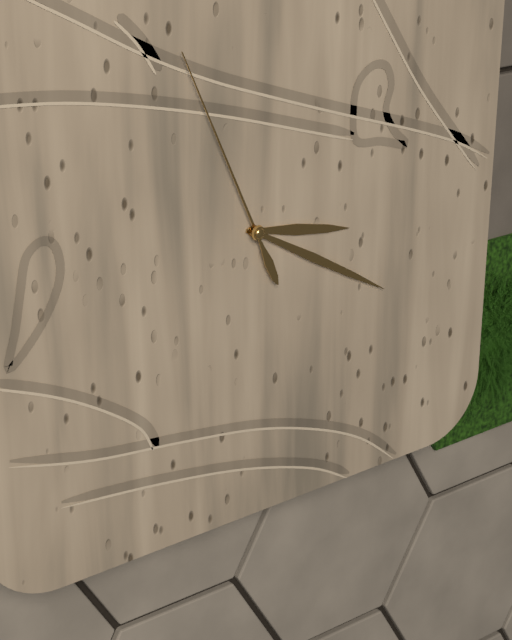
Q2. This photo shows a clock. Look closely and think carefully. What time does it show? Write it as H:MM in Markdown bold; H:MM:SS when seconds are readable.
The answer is **3:20:56**
